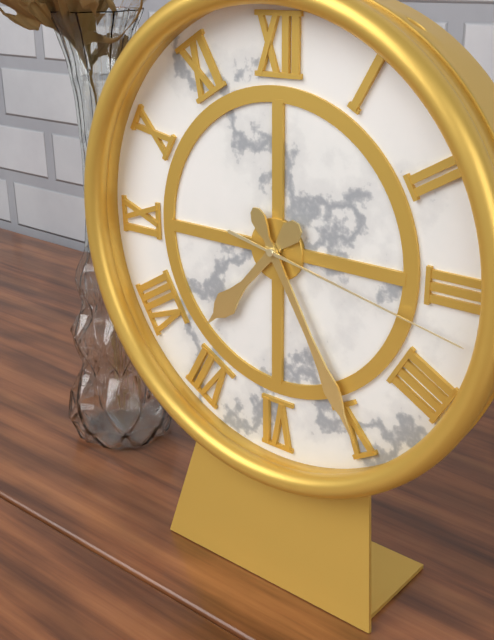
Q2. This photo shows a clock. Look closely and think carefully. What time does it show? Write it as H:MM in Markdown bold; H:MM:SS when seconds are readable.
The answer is **7:25:17**
